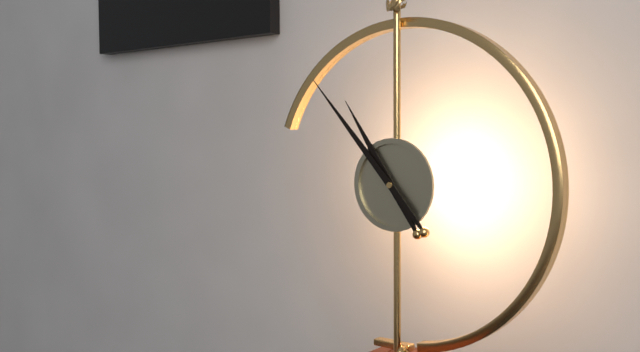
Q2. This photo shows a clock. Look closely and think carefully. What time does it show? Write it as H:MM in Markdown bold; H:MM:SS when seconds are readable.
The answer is **10:53**
